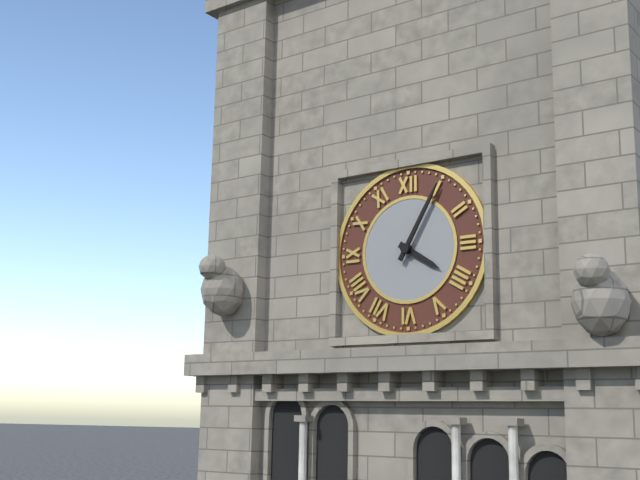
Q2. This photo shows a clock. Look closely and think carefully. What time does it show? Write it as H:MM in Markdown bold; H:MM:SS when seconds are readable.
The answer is **4:05**
